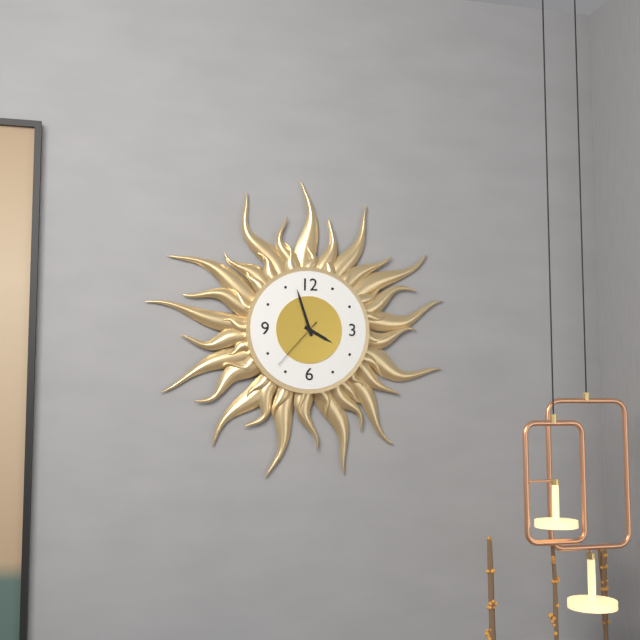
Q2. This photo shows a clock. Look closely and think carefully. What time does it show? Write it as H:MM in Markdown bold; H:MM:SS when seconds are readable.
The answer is **3:57:37**
